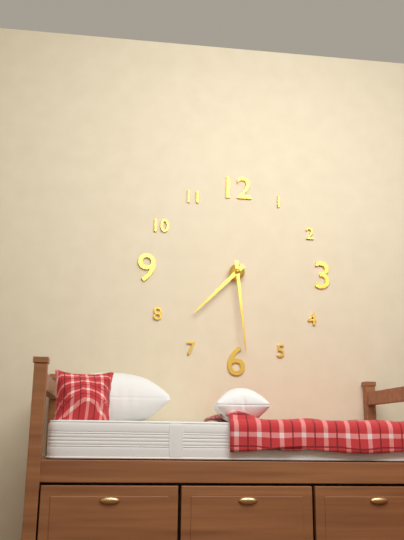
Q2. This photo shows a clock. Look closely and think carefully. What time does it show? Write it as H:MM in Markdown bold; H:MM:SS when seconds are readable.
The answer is **7:29**
